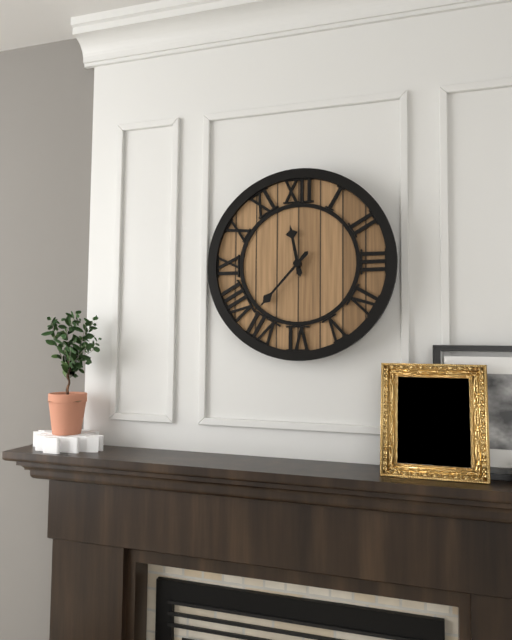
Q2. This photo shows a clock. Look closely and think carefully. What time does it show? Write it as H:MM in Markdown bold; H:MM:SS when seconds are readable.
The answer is **11:37**
